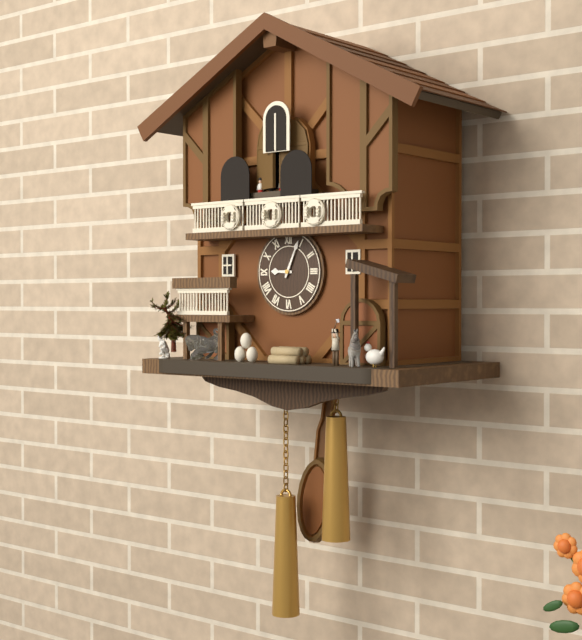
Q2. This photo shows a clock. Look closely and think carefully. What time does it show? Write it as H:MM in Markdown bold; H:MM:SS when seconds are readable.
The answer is **9:04**
